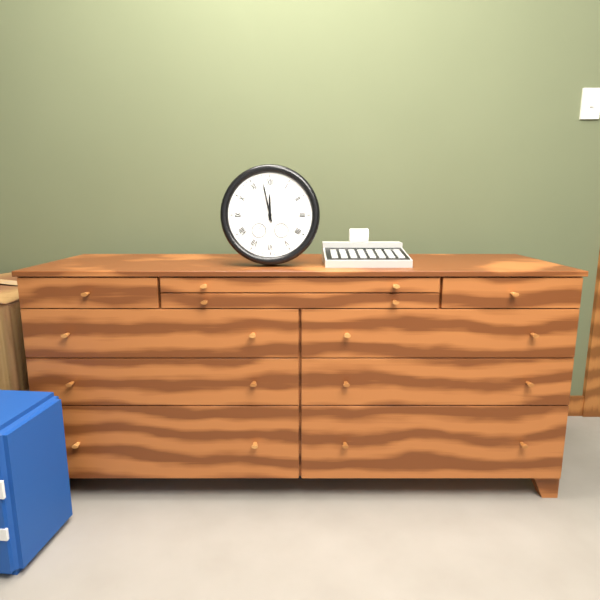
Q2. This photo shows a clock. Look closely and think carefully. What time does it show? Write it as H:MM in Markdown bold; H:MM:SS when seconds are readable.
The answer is **11:58**
